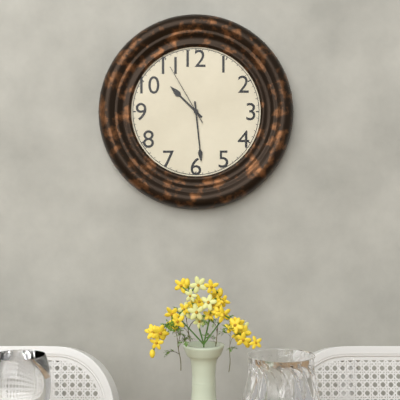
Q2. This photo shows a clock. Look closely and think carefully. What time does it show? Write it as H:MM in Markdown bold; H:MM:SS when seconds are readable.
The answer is **10:29:55**
